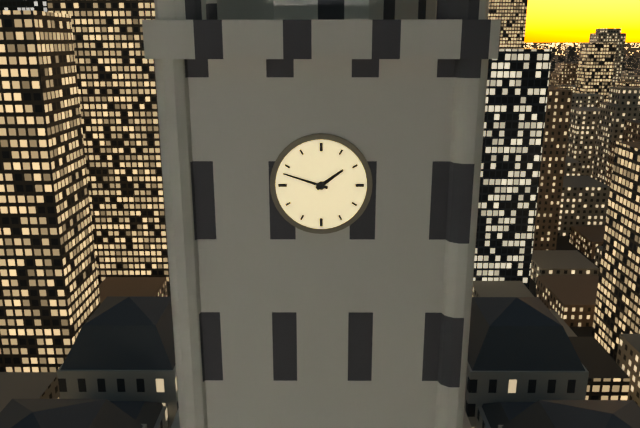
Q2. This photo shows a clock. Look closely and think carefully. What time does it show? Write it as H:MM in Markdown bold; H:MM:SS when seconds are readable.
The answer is **1:48**
